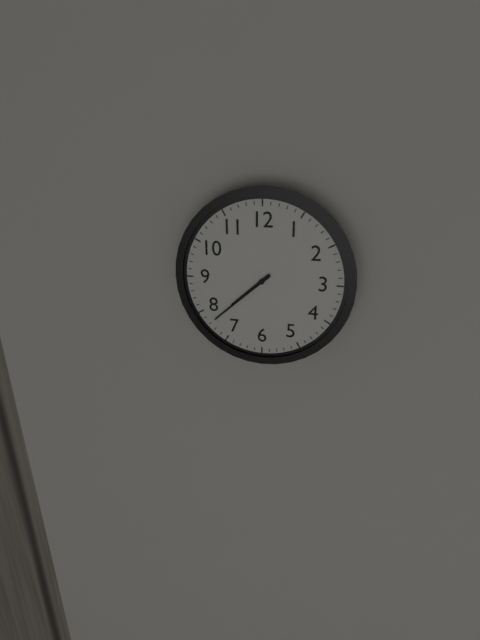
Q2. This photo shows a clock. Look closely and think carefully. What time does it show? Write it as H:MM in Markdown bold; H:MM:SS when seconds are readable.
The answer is **7:38**
